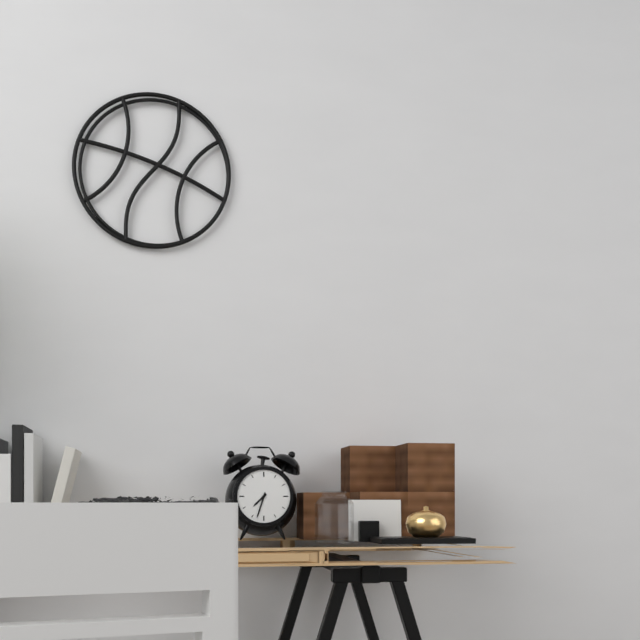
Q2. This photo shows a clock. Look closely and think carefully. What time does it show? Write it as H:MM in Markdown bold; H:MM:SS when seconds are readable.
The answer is **7:33**
